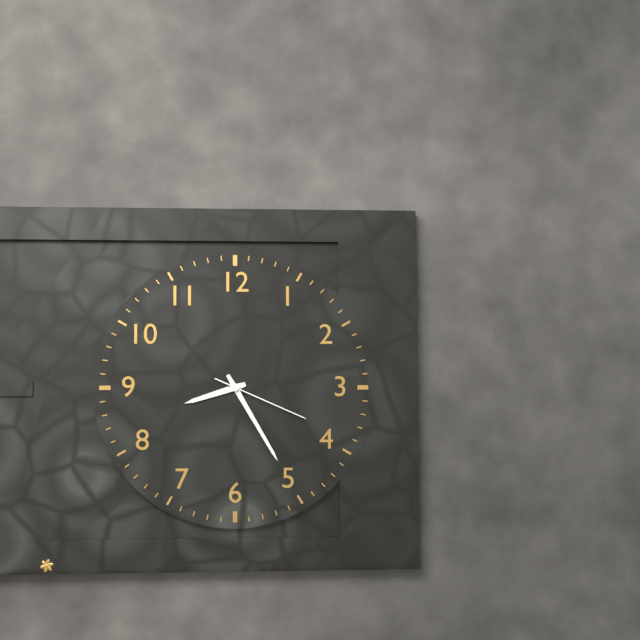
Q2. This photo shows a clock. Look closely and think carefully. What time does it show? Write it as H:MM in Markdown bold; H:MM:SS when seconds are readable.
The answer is **8:25:19**
